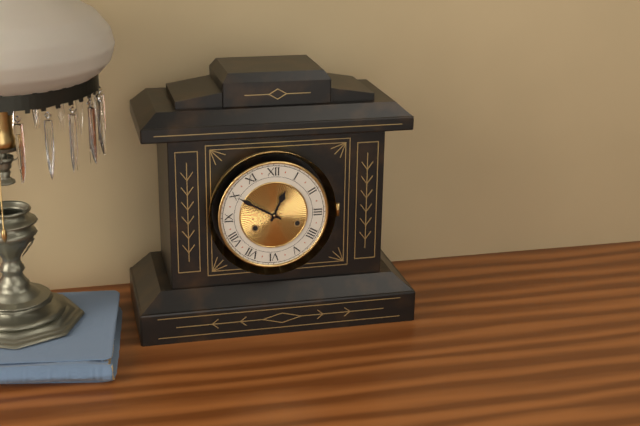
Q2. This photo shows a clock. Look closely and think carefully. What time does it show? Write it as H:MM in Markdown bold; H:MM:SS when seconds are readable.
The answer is **12:50**
